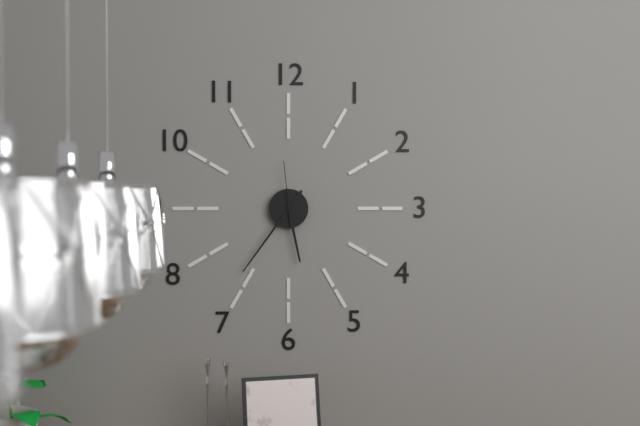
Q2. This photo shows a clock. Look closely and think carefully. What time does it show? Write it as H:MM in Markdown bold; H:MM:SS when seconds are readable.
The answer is **5:36:59**
